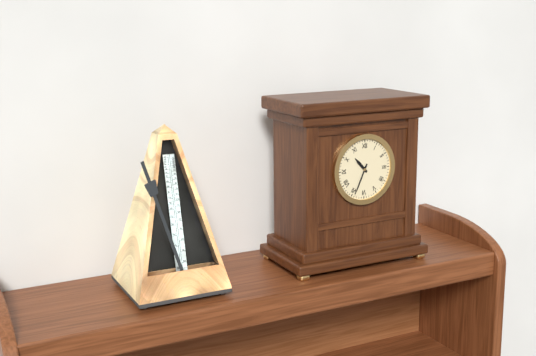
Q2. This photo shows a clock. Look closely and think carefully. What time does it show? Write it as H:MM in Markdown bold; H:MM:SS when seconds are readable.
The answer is **10:34**
